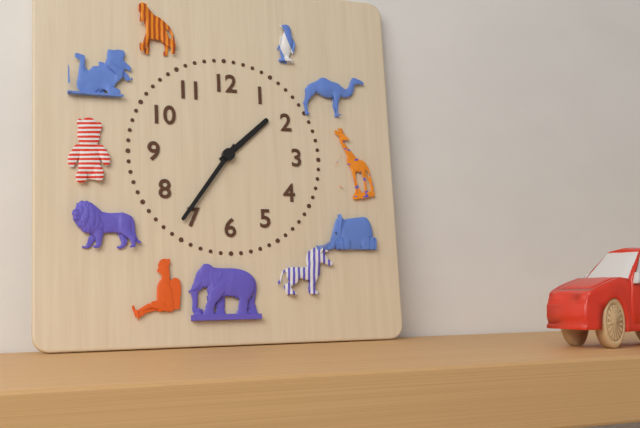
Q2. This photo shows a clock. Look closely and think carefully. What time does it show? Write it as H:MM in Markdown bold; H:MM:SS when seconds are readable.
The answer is **1:36**
